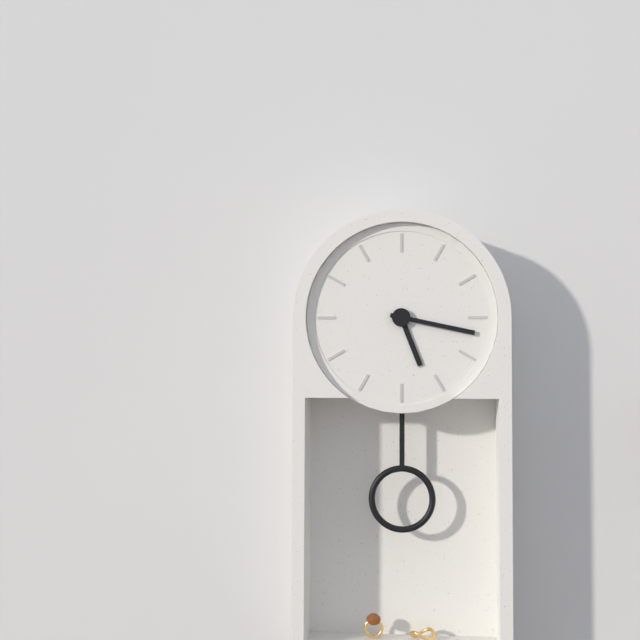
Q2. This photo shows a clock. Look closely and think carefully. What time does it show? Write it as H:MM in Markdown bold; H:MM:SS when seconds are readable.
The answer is **5:17**
